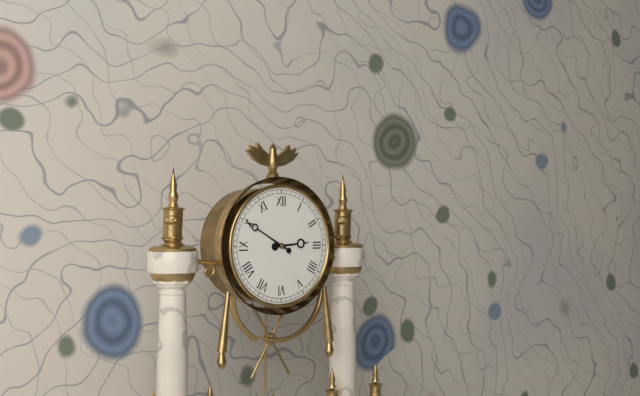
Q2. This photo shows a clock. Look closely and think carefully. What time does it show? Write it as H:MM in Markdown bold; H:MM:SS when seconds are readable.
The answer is **2:50**
